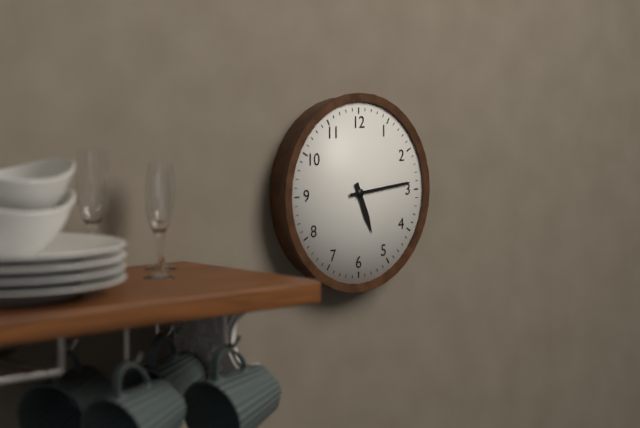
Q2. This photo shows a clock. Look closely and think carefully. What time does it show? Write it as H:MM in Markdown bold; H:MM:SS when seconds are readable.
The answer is **5:14**
